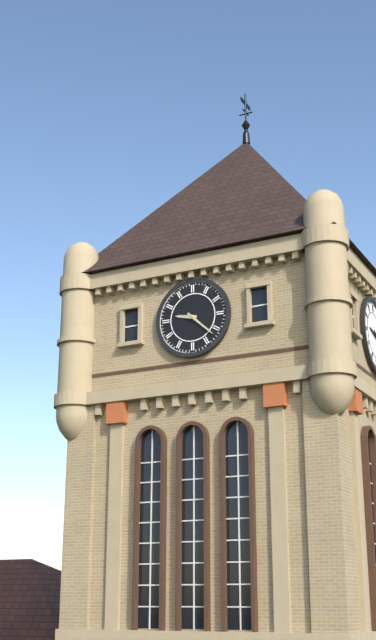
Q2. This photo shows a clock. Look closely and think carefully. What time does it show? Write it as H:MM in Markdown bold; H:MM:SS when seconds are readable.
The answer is **9:22**
